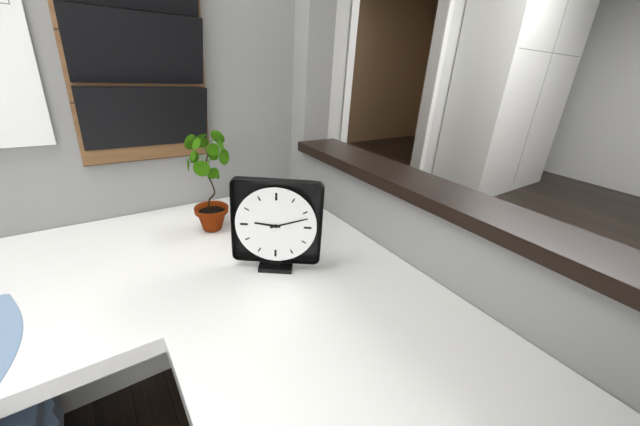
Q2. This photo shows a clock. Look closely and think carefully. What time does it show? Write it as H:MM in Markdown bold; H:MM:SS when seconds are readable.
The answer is **9:12**
